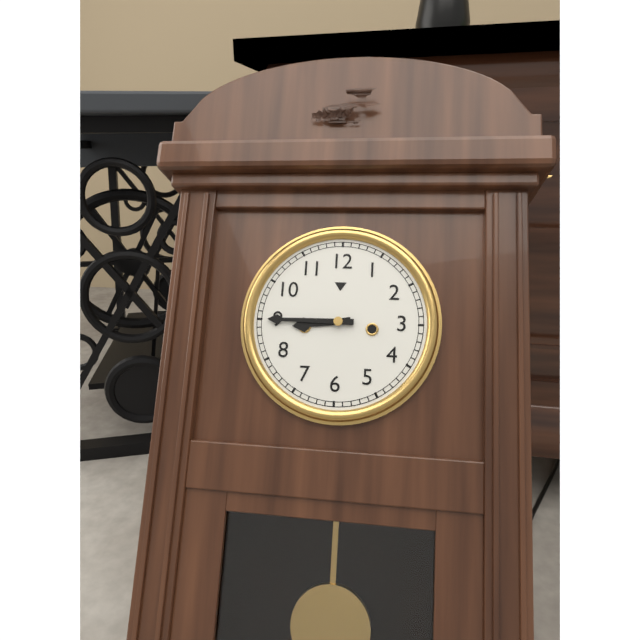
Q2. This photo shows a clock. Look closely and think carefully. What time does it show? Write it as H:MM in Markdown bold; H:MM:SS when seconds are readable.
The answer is **8:45**
